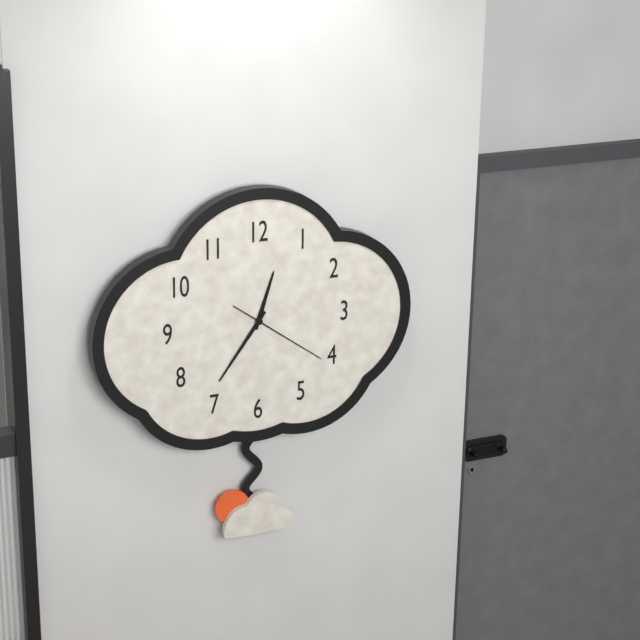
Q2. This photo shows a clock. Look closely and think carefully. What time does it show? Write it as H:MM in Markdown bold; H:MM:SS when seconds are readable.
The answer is **12:36:21**
